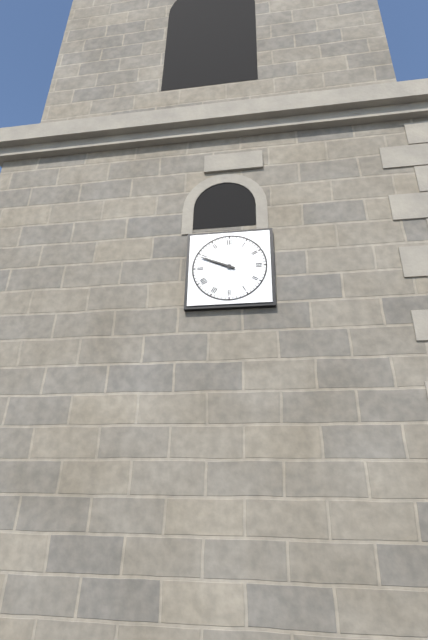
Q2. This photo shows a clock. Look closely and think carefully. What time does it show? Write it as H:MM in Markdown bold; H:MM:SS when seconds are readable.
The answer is **9:49**
